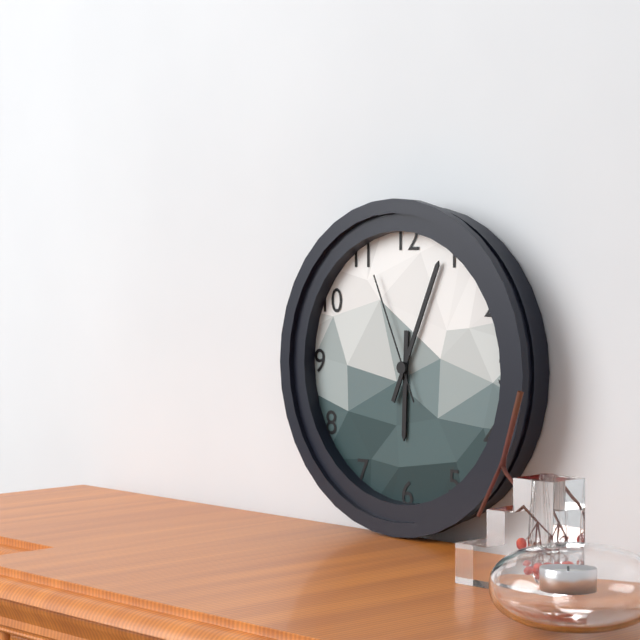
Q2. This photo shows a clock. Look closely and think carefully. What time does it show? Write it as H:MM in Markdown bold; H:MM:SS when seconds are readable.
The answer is **6:04:56**
